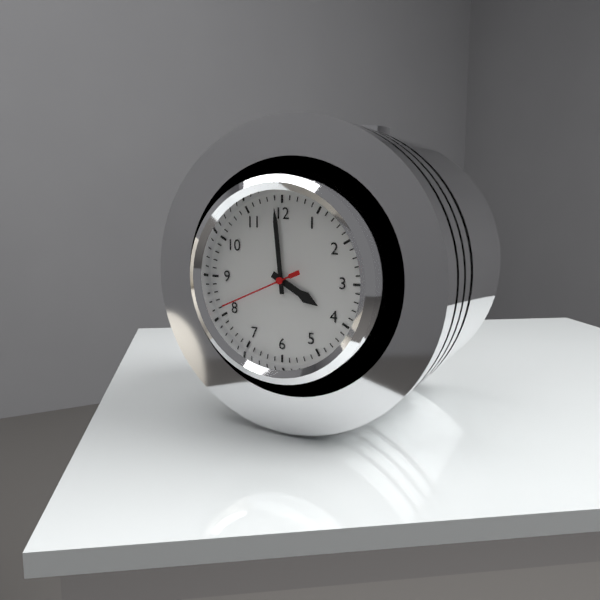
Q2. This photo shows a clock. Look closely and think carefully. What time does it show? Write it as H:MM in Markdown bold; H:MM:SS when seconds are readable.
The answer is **3:59:41**
